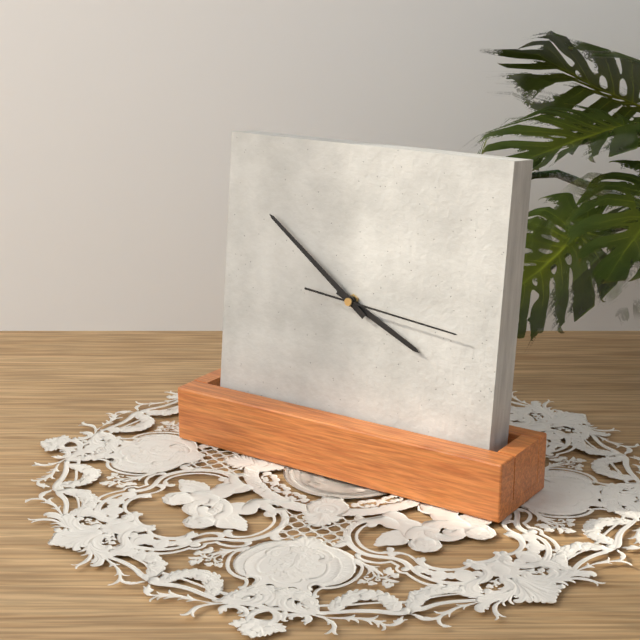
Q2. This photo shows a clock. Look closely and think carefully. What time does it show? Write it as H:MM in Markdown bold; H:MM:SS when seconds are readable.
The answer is **3:51:16**
